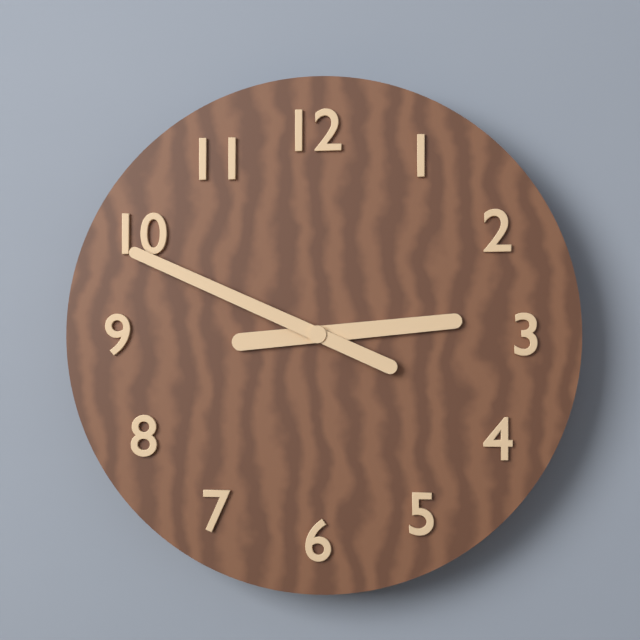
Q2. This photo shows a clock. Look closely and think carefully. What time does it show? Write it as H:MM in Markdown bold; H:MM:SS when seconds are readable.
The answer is **2:49**
